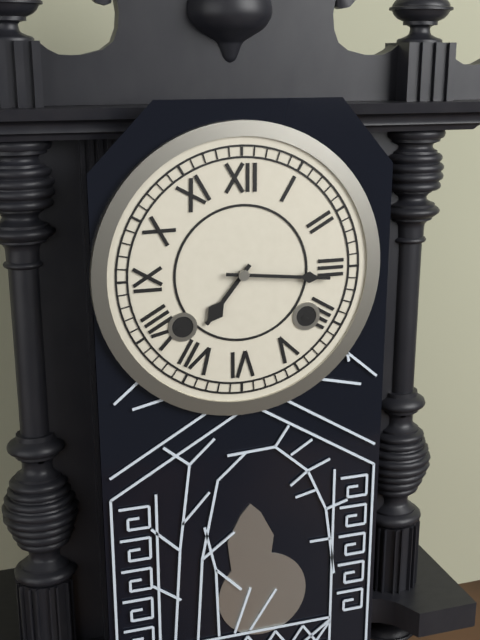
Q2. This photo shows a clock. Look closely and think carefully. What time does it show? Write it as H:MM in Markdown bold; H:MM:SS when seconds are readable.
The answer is **7:16**
